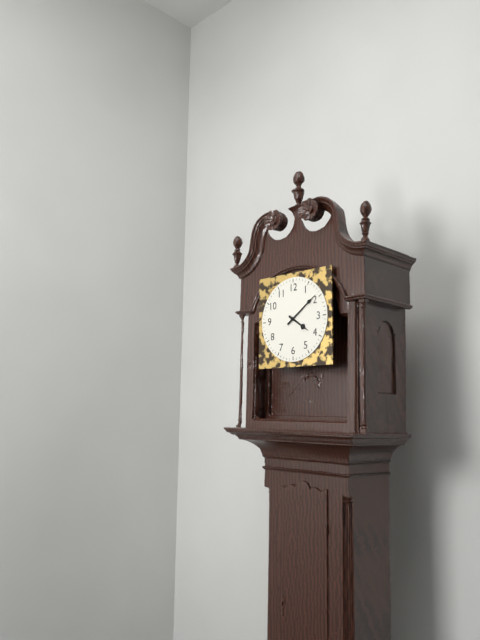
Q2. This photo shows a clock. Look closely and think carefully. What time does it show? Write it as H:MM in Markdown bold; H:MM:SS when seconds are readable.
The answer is **4:09**
